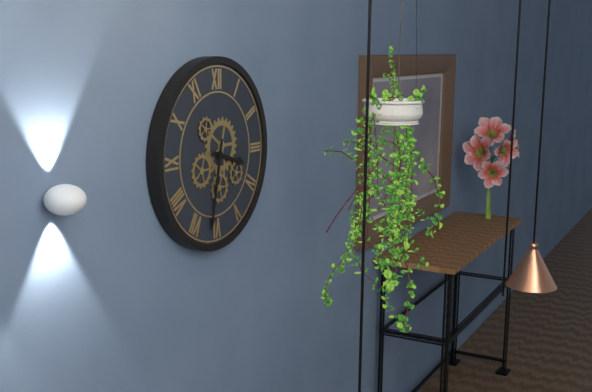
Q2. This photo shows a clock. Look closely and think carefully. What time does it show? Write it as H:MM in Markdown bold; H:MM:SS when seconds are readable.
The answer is **3:32**
